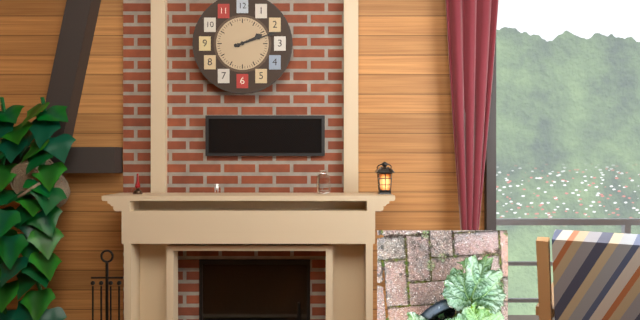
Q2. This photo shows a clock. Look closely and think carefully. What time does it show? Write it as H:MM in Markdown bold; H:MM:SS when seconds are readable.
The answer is **2:12**
